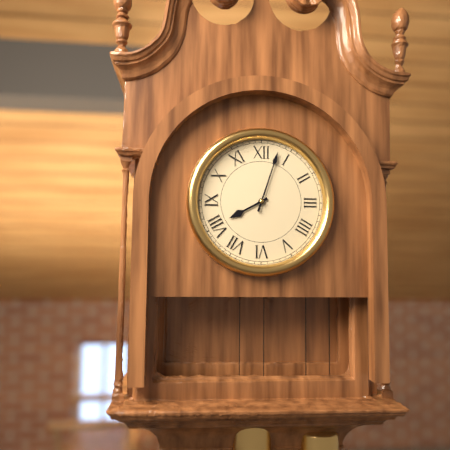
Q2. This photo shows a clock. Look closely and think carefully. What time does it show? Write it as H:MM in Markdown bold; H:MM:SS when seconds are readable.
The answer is **8:03**
